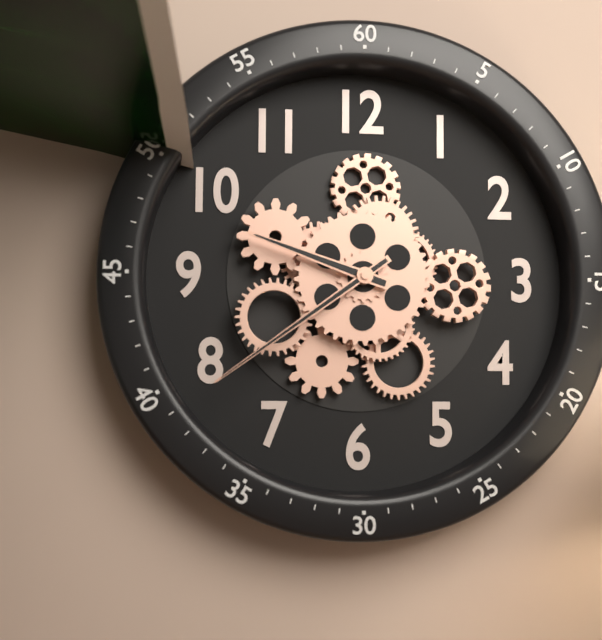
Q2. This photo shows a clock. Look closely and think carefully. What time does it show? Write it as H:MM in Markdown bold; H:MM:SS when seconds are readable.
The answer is **9:39**
